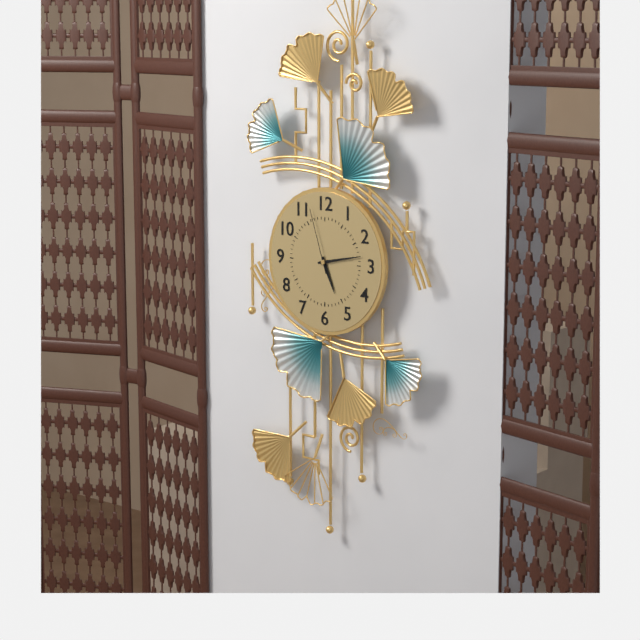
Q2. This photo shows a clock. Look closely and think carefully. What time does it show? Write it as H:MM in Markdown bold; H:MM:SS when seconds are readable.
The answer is **5:13:57**
